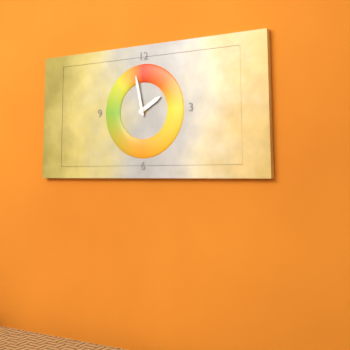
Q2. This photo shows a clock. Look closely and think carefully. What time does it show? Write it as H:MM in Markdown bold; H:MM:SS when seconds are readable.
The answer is **1:58**
